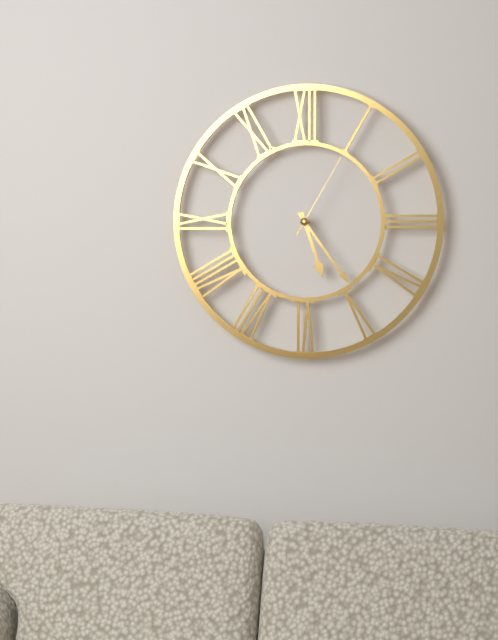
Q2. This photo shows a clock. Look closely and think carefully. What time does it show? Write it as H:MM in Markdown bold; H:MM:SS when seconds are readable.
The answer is **5:24:05**
